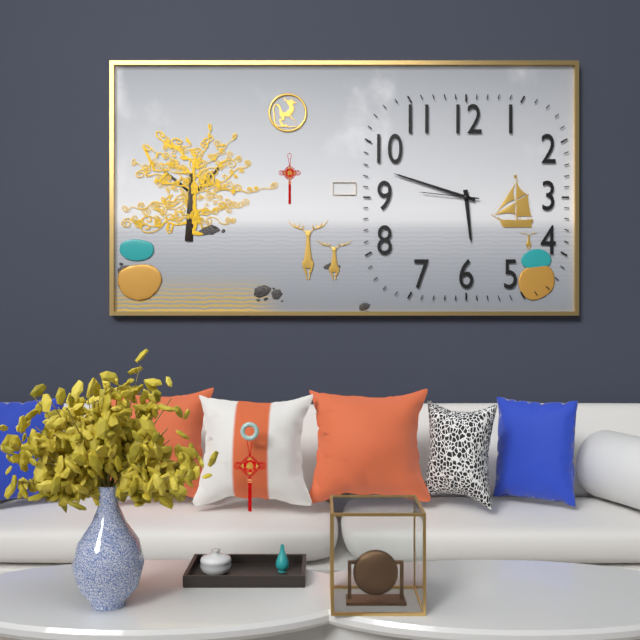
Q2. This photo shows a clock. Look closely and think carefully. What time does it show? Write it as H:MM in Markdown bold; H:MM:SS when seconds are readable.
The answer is **5:48:46**
